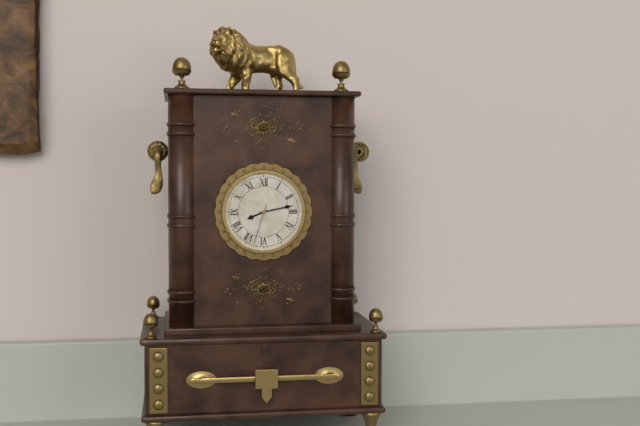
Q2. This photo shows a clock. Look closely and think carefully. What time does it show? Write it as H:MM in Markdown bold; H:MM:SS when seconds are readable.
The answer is **8:13**
